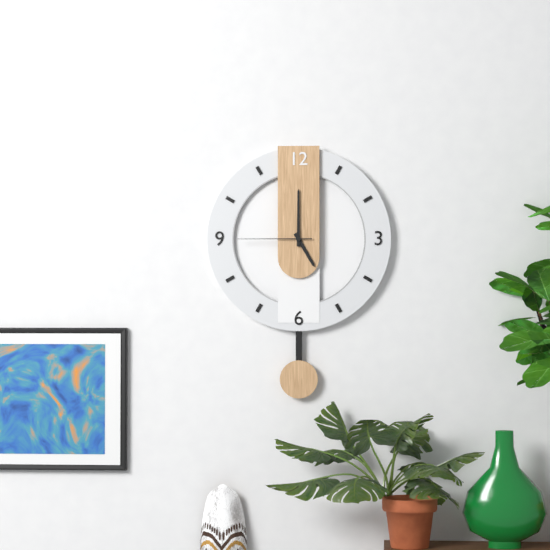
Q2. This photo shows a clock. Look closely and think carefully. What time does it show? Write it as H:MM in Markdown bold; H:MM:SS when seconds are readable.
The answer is **5:00:45**
